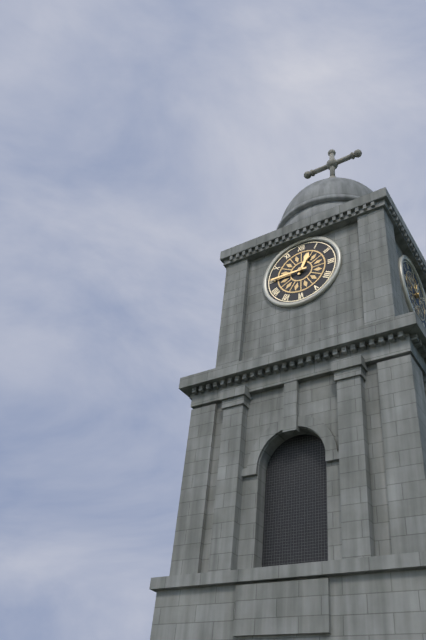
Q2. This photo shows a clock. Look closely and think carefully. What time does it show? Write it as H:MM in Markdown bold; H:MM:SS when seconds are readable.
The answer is **12:45**
